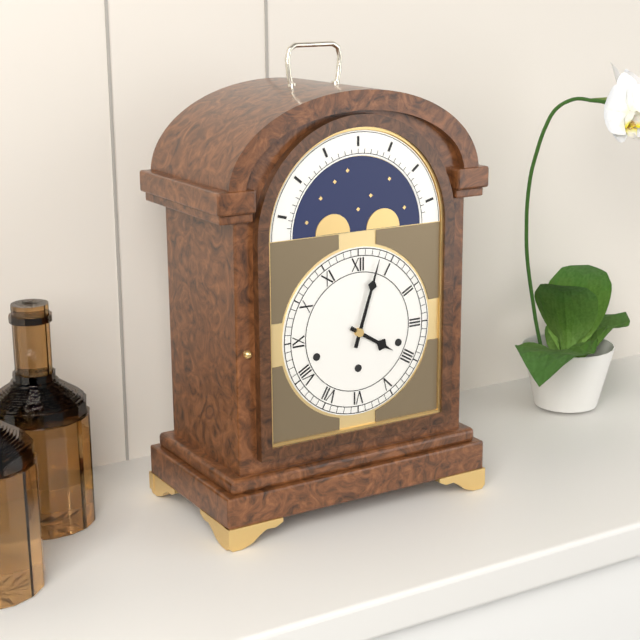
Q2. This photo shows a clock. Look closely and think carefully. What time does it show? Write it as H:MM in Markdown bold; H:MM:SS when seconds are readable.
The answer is **4:03**
